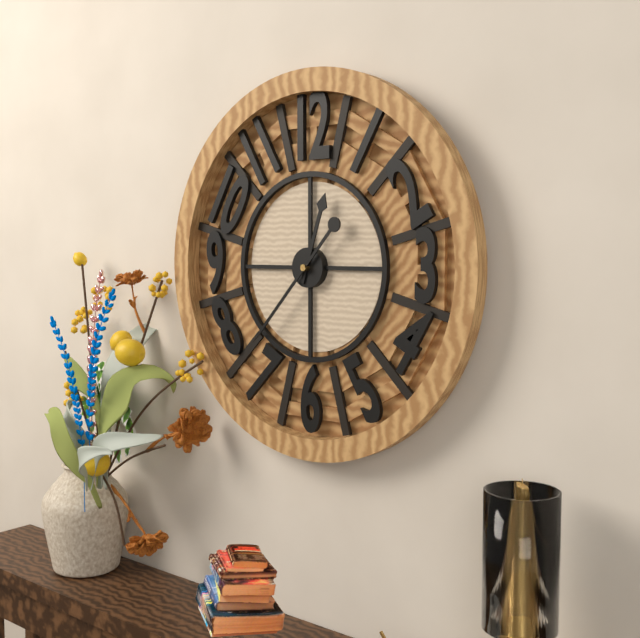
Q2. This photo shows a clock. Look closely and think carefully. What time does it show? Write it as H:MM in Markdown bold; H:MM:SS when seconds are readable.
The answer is **12:37**
